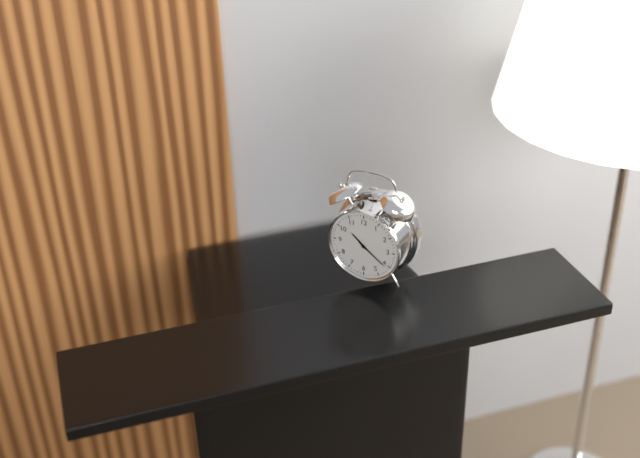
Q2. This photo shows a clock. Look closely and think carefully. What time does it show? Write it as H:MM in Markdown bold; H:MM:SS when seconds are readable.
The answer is **10:21**
